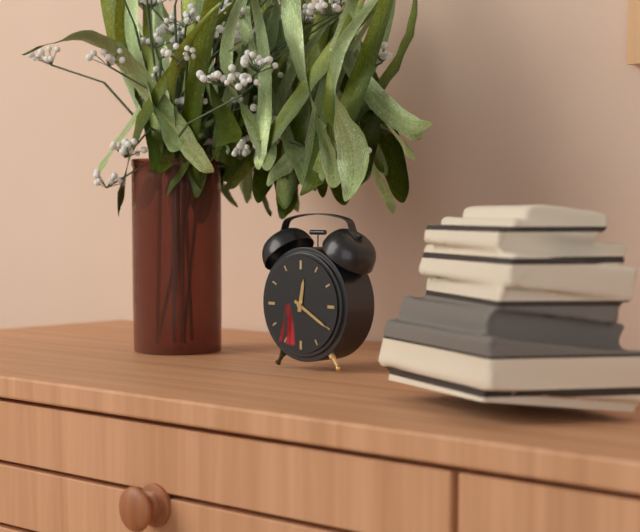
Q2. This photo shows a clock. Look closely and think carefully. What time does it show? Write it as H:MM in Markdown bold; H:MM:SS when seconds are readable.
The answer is **12:20**
